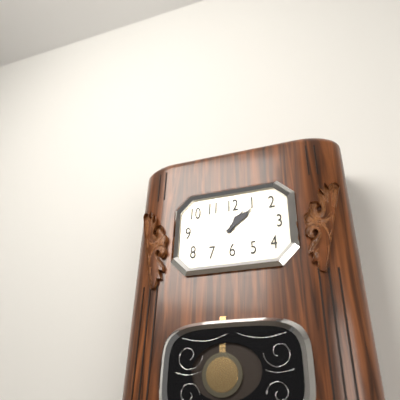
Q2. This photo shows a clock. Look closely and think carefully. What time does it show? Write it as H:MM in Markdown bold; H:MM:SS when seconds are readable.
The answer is **1:08**
